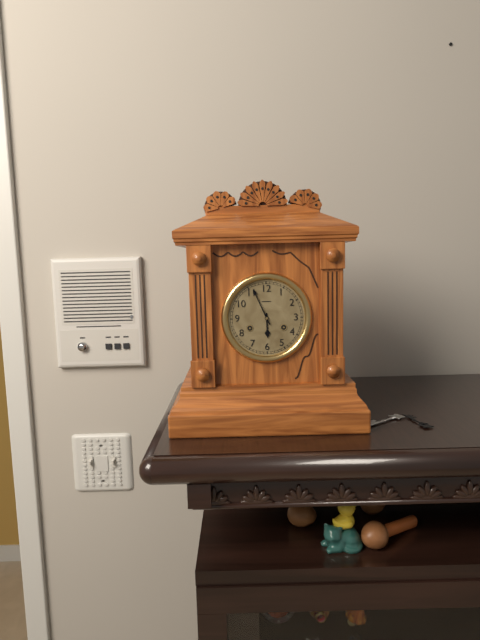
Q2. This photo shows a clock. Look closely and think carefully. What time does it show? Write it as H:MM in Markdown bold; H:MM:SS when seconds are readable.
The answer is **5:56**
